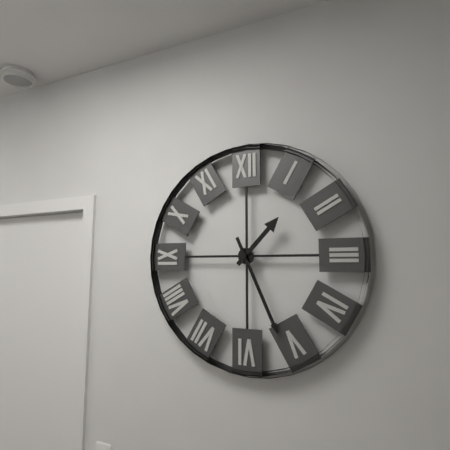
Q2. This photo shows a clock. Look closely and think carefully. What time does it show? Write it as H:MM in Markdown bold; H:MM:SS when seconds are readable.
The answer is **1:26**
